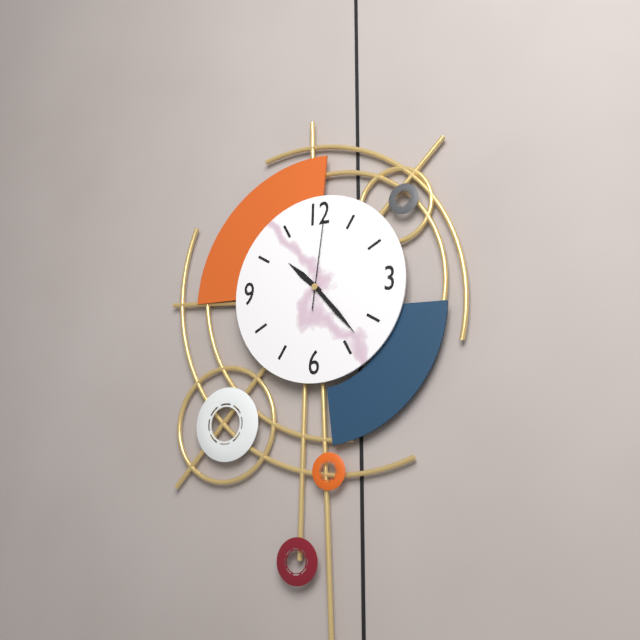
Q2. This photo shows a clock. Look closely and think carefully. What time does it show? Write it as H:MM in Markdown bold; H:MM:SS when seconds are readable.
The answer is **10:23:01**
